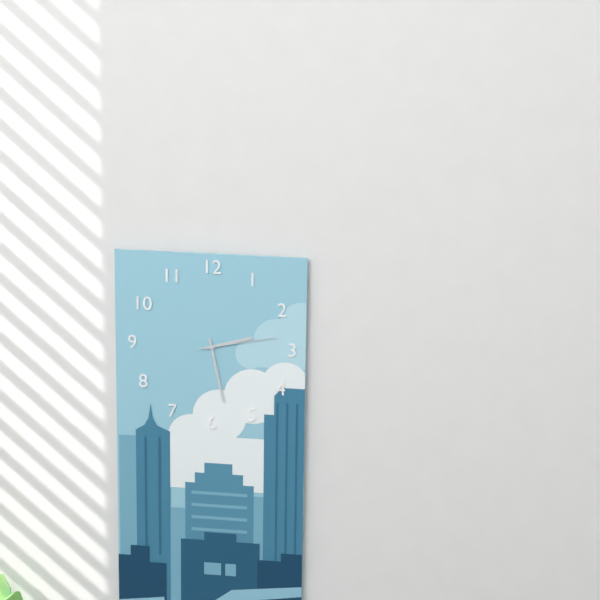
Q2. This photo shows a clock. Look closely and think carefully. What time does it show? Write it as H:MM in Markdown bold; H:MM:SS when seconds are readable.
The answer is **2:28:13**
